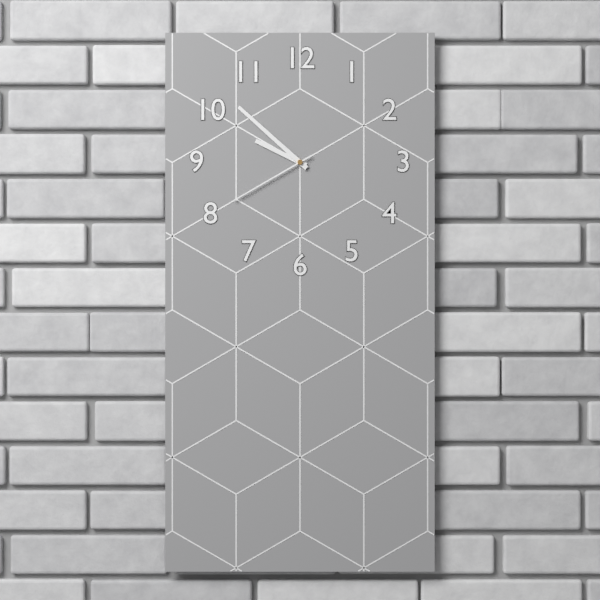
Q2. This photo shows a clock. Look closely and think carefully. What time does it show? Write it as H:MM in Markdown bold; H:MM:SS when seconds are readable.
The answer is **9:52:40**
